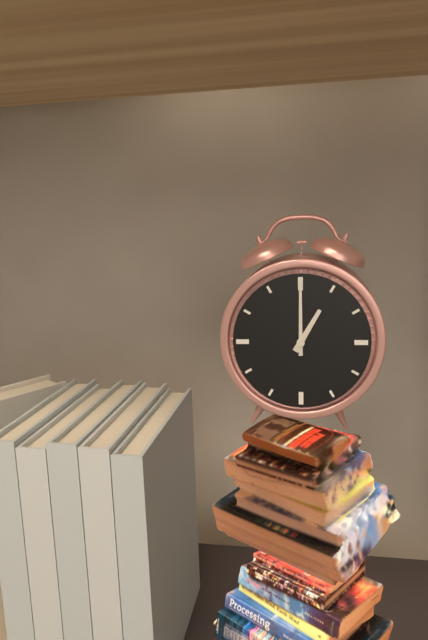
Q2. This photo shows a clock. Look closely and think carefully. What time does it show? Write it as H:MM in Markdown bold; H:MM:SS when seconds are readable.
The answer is **1:00**
